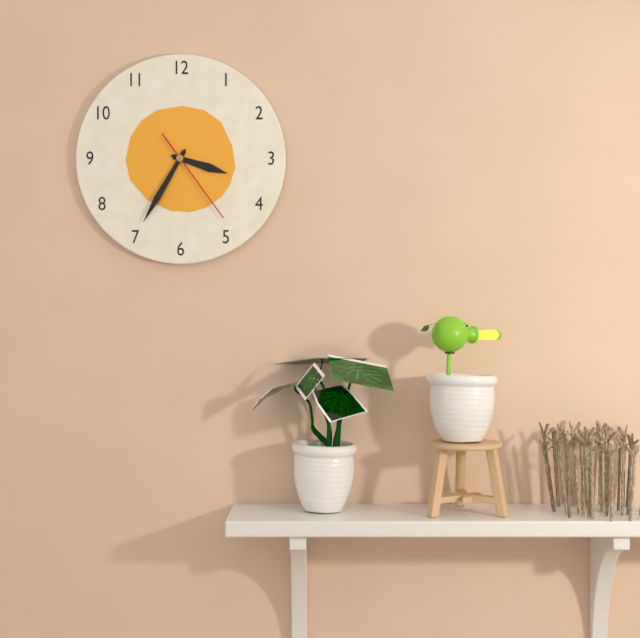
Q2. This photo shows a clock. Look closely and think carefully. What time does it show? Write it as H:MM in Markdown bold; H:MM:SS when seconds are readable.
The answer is **3:35:24**
